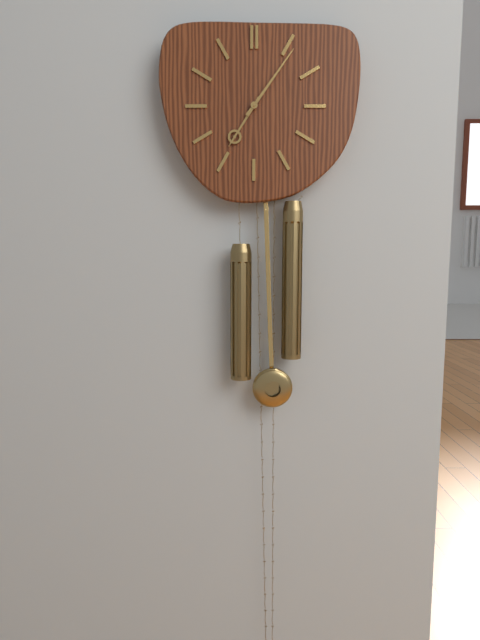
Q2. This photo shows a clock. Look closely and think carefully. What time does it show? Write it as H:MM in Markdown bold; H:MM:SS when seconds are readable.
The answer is **7:06**
